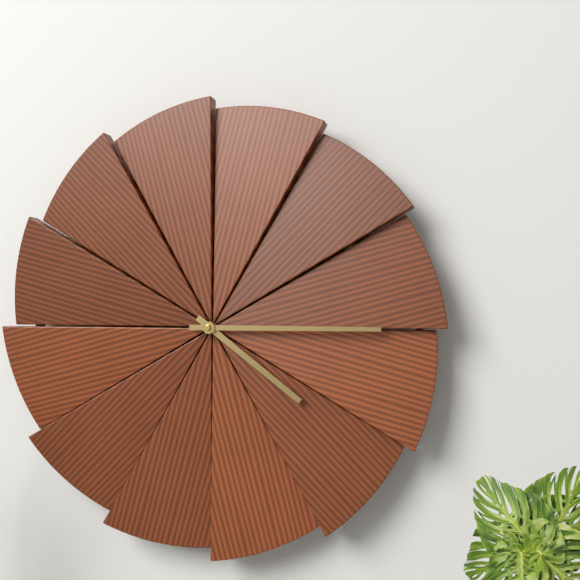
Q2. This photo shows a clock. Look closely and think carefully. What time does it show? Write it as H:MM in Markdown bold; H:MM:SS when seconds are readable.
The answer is **4:15**
